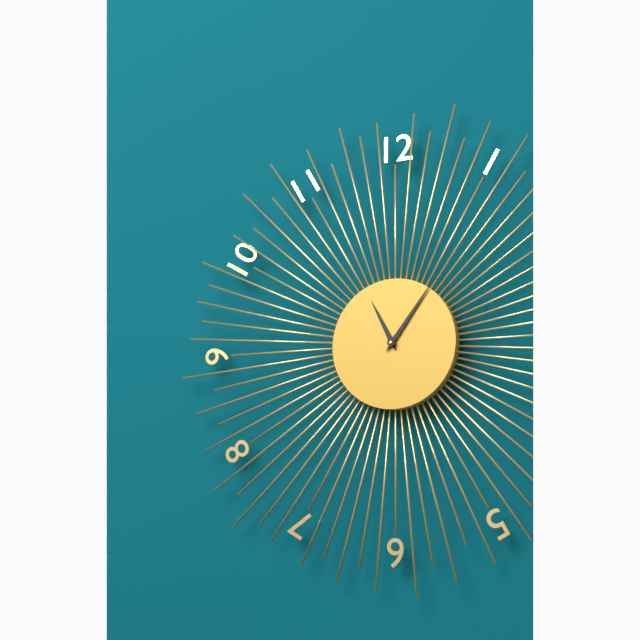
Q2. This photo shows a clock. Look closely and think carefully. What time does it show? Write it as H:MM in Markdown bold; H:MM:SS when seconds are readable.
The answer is **11:06**
